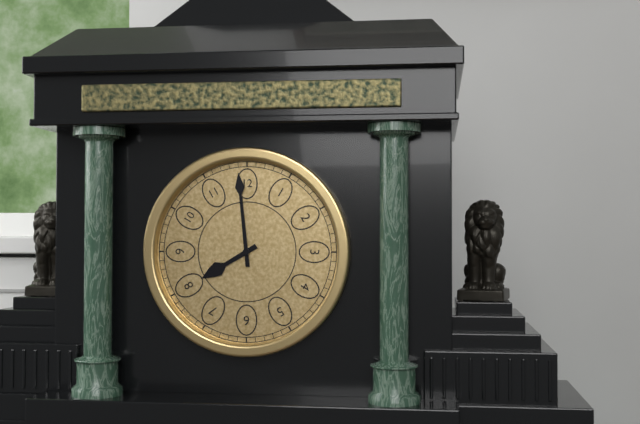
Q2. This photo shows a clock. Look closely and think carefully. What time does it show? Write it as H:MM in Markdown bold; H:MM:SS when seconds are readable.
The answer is **7:59**
